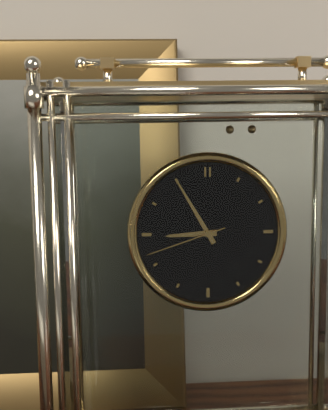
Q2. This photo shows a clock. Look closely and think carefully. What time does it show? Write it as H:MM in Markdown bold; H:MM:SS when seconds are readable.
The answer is **8:55:42**
